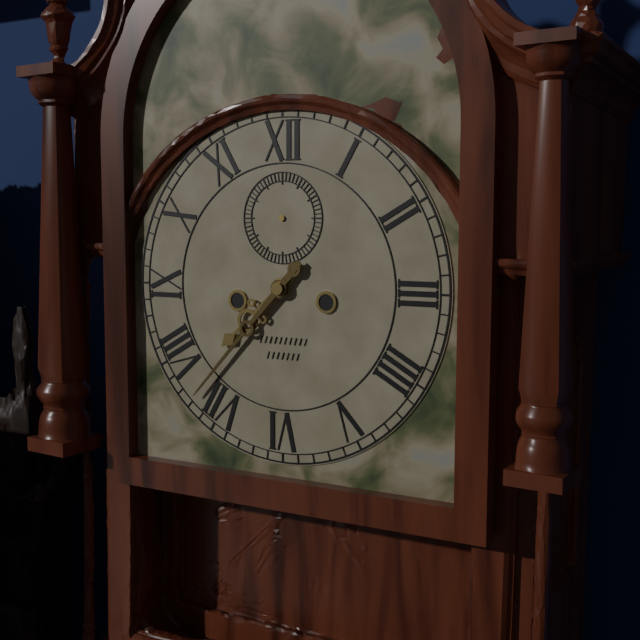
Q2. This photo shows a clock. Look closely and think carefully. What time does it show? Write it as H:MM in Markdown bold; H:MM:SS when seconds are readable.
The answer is **7:37**
